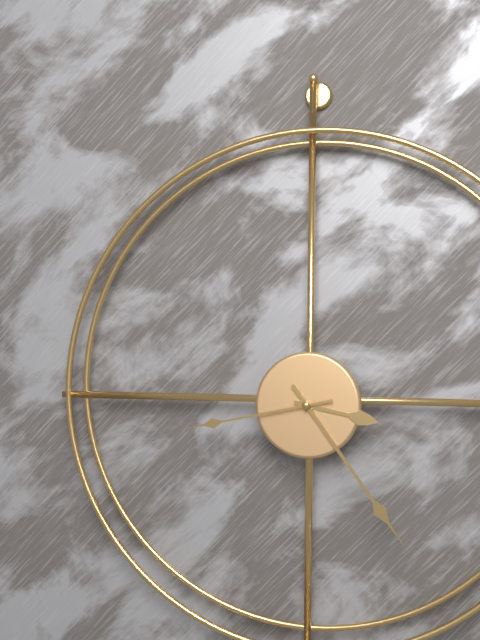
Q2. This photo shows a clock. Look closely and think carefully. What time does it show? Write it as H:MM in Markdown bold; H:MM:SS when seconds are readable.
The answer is **3:24:43**
